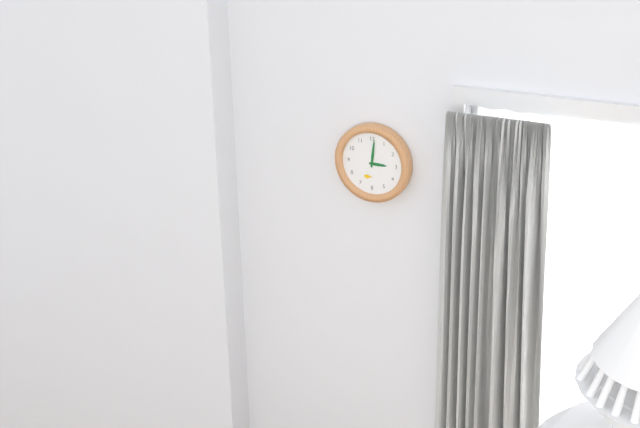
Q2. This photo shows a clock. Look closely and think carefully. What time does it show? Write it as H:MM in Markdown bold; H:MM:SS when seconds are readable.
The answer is **3:01**
